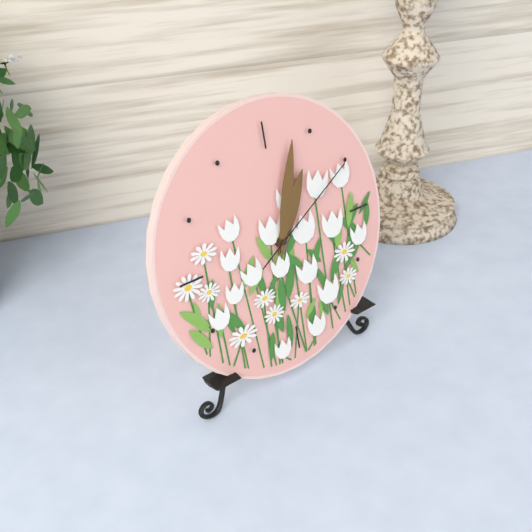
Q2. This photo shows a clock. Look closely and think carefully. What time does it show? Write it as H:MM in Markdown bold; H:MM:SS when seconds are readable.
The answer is **1:03:10**
